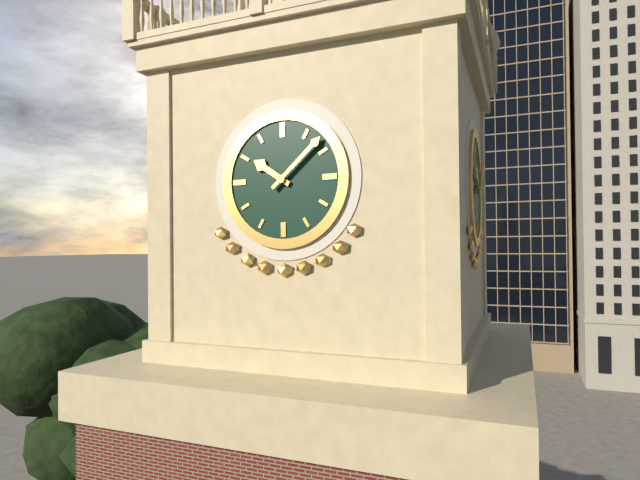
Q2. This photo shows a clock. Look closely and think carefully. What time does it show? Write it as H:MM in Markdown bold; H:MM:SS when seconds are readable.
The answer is **10:08**
